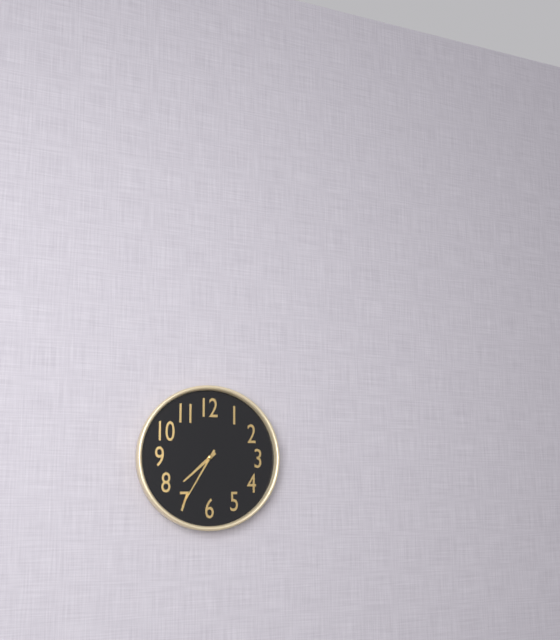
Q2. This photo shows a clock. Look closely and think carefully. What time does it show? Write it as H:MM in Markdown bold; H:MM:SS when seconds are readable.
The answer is **7:35**
